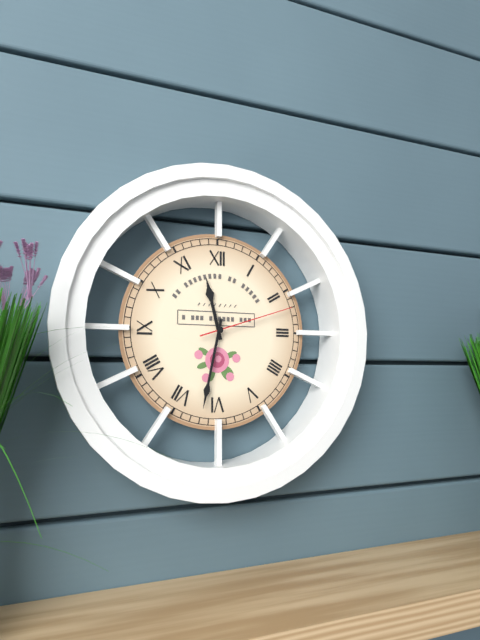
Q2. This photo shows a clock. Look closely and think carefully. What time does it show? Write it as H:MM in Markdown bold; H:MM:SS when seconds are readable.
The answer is **11:32:12**
